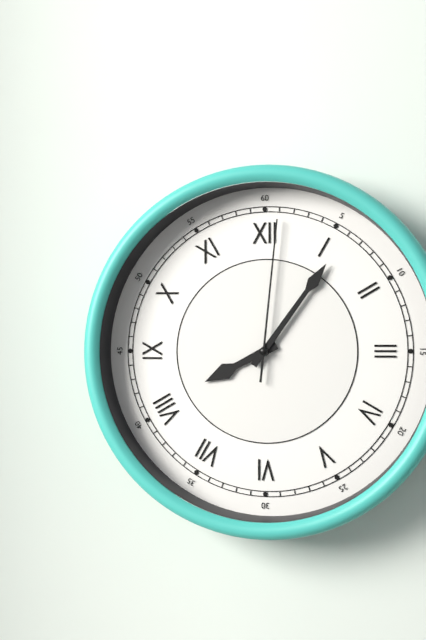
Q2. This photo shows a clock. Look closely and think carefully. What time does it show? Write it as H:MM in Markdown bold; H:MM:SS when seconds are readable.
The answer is **8:06:01**
